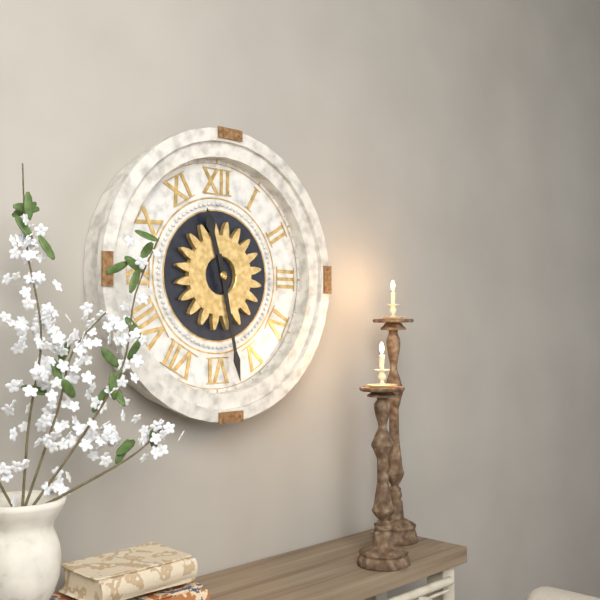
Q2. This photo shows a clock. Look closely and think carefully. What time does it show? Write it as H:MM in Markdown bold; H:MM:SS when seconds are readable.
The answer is **11:28**
